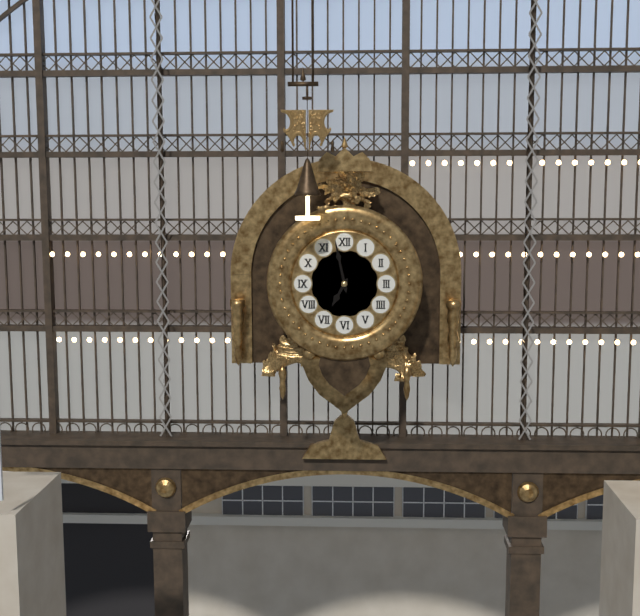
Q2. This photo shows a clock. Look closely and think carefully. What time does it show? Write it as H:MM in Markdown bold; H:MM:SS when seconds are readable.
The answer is **6:58**
